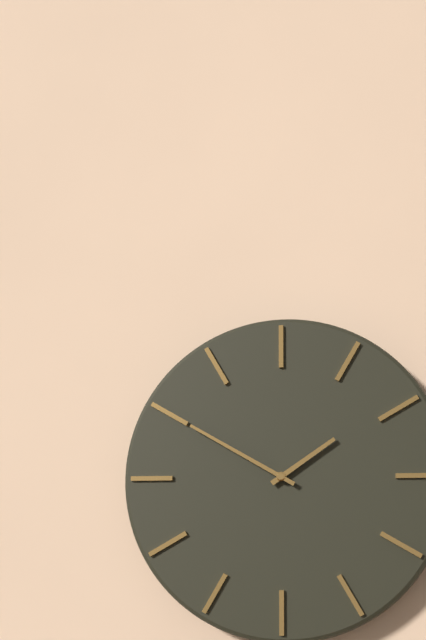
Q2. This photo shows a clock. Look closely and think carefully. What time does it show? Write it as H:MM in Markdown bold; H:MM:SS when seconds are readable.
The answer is **1:50**
